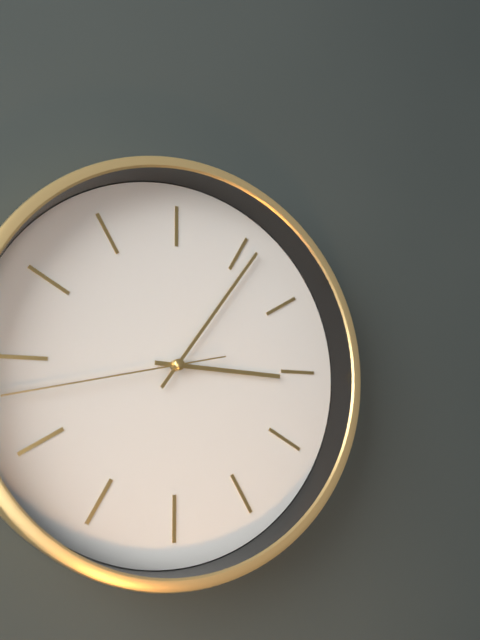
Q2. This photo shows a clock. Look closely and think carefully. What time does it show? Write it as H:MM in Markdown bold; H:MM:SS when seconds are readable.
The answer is **3:06:43**
